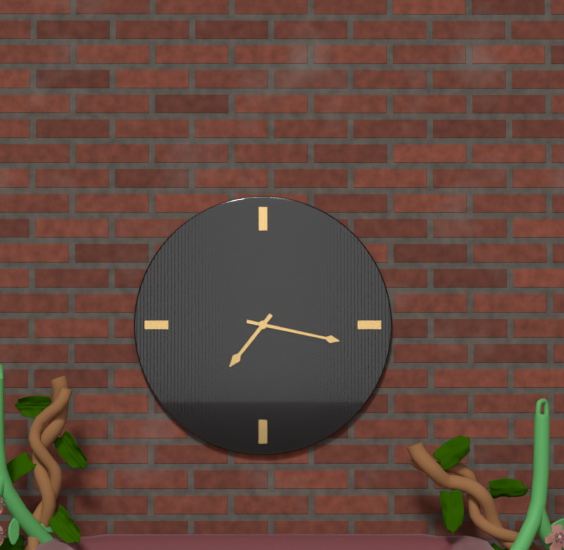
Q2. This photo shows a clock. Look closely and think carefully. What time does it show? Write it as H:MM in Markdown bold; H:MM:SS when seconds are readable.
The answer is **7:17**
